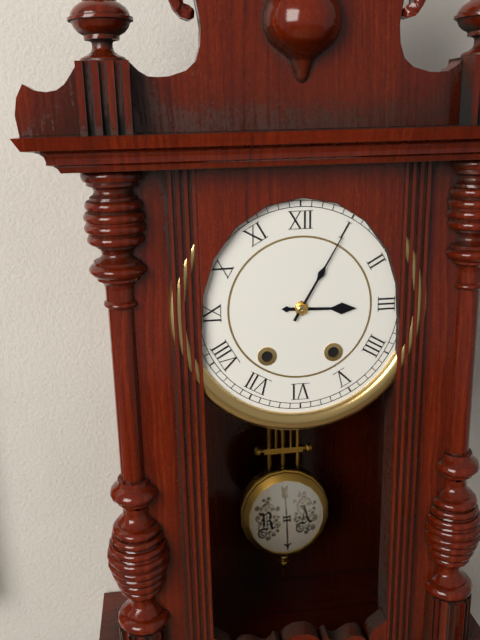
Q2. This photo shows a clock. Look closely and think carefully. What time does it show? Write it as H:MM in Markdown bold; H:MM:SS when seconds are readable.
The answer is **3:05**
